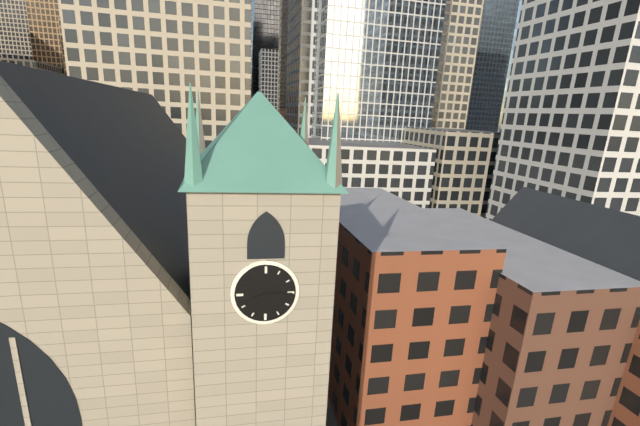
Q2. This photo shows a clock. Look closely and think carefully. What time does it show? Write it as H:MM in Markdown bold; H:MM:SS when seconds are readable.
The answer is **8:15**
